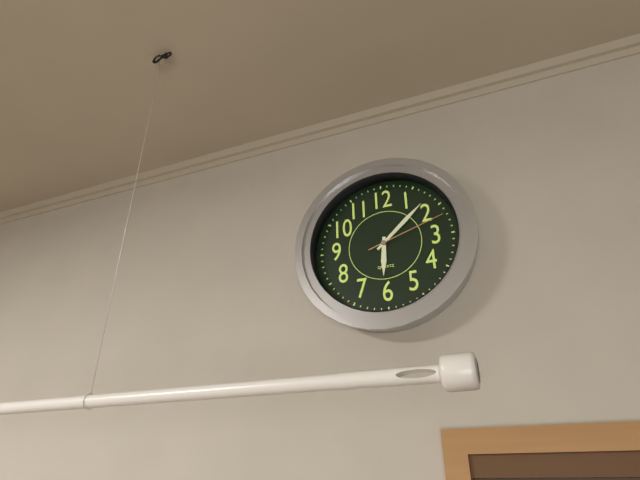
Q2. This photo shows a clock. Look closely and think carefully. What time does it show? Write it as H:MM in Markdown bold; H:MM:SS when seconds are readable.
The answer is **6:08:12**
